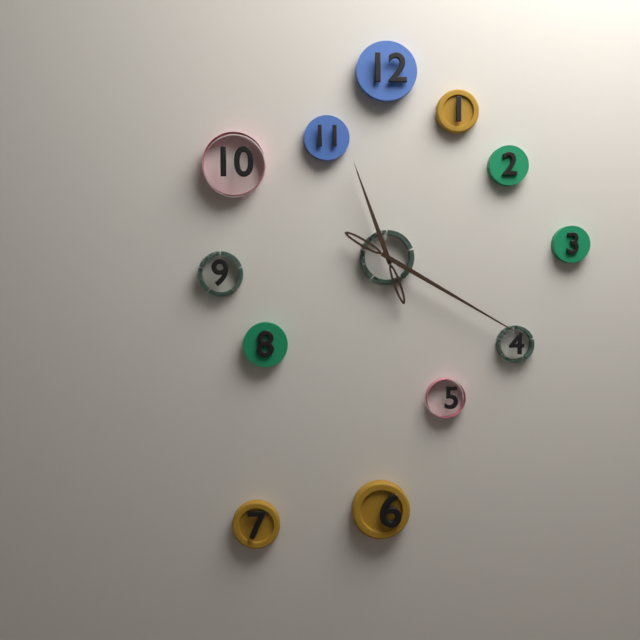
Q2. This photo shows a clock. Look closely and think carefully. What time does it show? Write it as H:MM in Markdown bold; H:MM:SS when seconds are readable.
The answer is **11:20**
